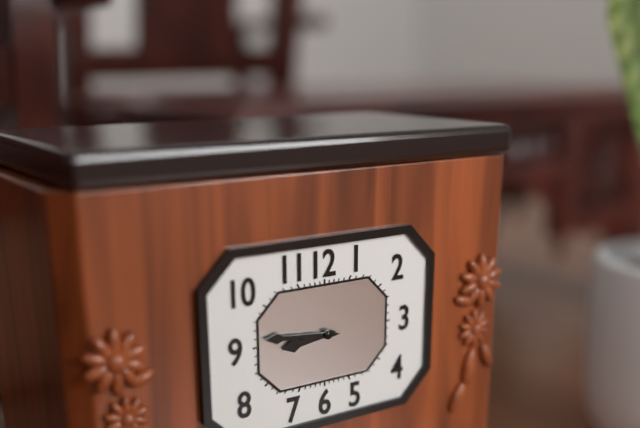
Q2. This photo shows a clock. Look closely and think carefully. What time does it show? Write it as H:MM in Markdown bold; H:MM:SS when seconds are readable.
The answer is **8:46**
